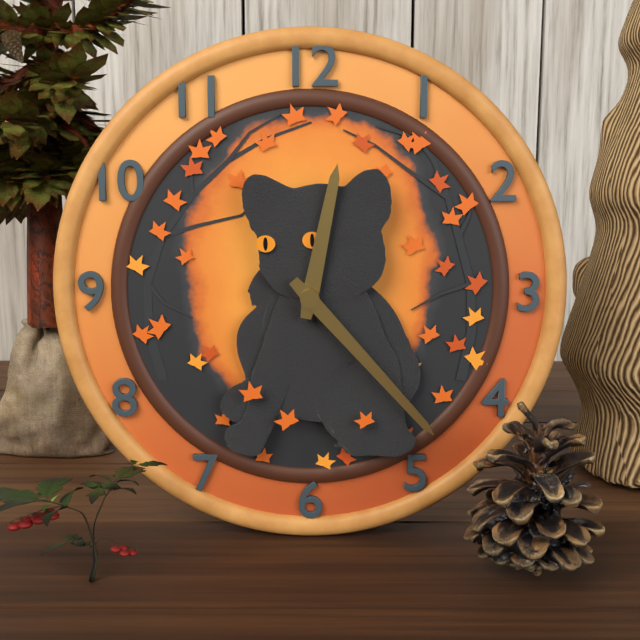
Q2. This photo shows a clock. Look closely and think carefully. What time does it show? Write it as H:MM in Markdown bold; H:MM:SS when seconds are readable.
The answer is **12:23**
